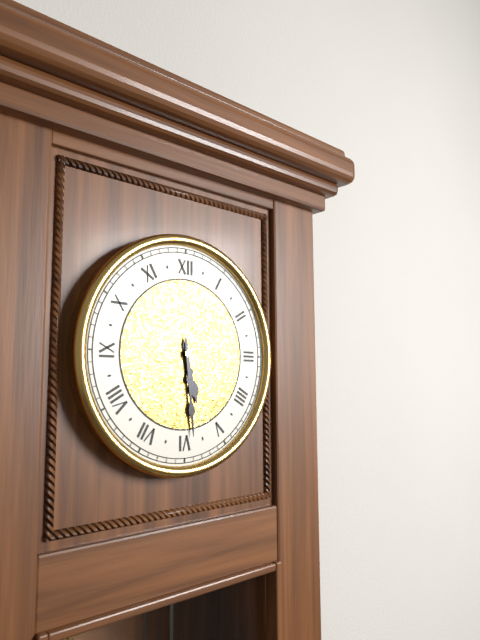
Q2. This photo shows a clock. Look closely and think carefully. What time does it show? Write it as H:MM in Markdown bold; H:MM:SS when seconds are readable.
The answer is **5:29**
